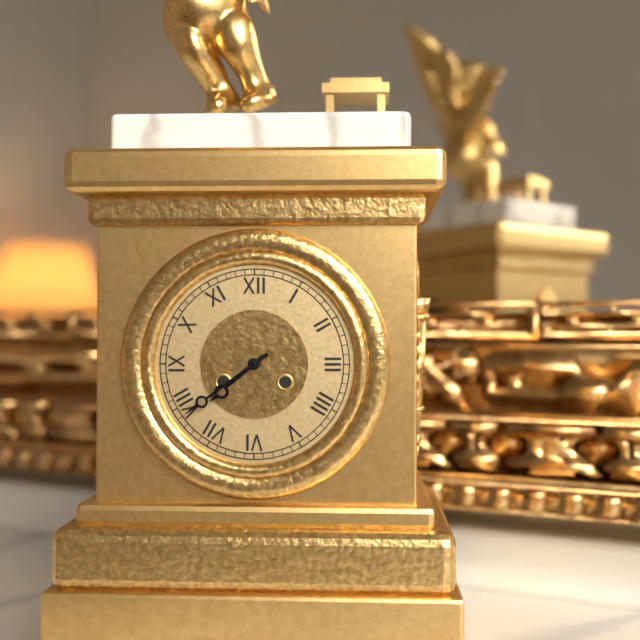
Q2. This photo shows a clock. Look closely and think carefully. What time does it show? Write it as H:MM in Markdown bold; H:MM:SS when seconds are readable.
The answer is **7:39**
